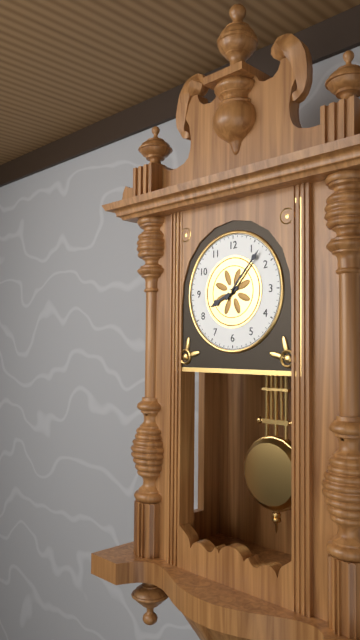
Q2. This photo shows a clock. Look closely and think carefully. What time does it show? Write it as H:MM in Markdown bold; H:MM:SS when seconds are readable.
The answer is **8:07**
